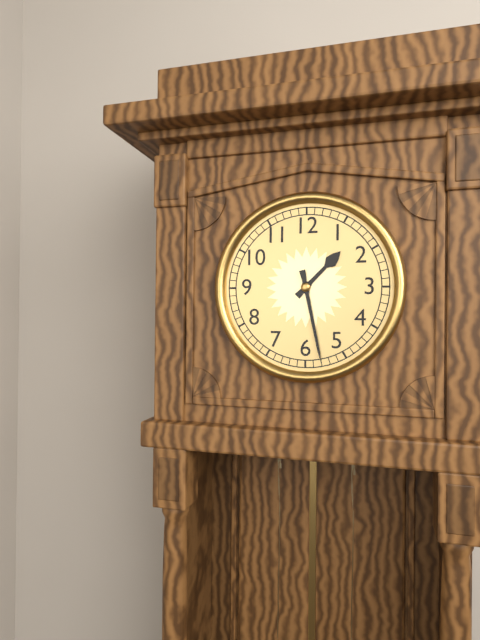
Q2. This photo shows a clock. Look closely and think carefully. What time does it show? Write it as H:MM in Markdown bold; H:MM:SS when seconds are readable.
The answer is **1:28**
